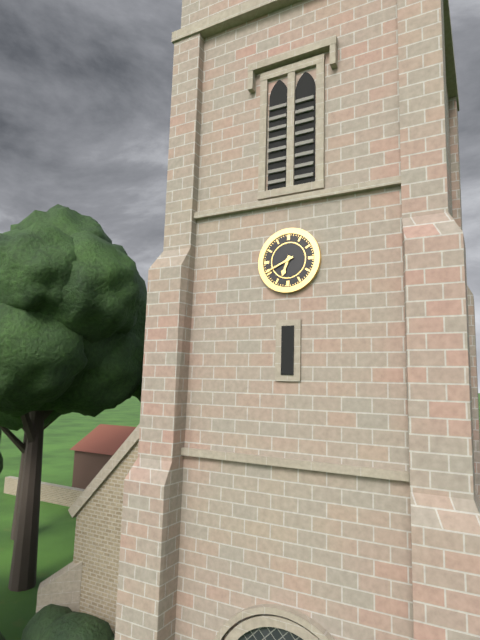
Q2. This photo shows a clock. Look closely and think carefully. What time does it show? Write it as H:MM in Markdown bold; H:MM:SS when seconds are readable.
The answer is **6:41**
